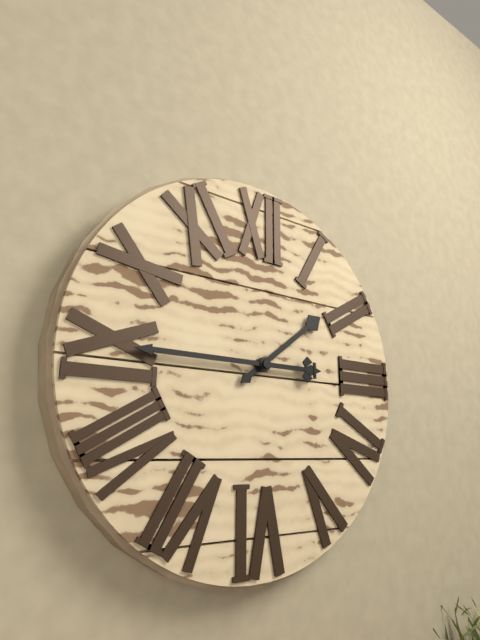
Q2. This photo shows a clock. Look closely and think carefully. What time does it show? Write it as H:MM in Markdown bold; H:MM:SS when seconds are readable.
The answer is **1:45**
